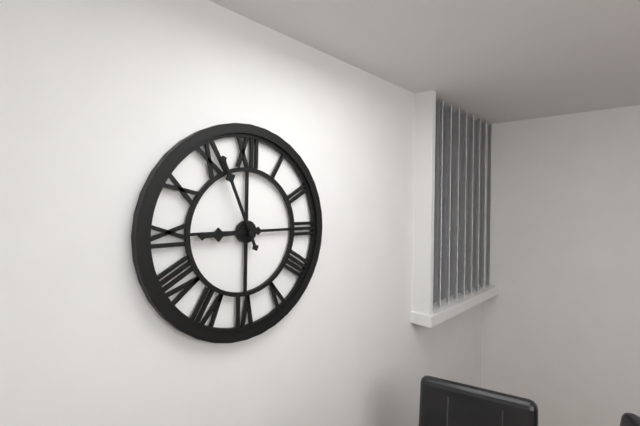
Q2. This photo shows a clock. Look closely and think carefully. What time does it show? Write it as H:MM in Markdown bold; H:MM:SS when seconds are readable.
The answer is **8:56**
